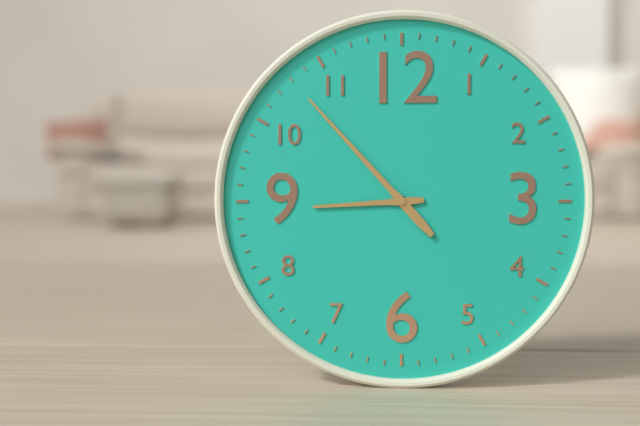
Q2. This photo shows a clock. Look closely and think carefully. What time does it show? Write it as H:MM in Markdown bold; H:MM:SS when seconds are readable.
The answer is **8:53**
